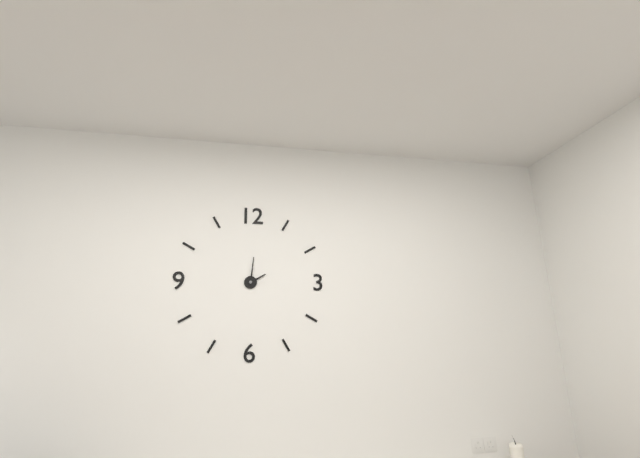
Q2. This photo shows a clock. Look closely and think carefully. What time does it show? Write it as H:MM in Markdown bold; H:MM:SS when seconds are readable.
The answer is **2:01**
